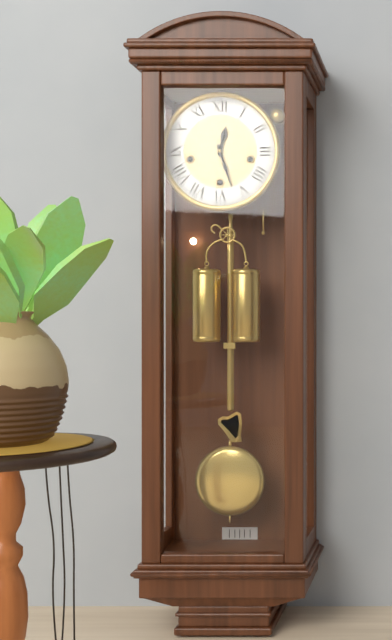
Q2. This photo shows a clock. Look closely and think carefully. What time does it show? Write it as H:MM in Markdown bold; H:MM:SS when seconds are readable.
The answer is **12:27**
